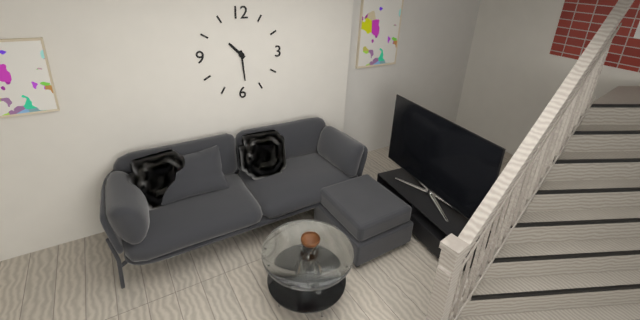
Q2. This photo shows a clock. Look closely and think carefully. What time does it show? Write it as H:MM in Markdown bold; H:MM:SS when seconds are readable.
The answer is **10:29**
